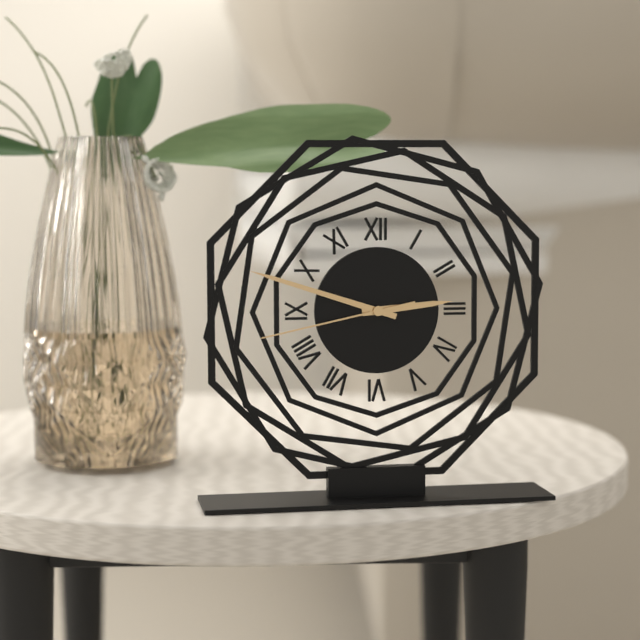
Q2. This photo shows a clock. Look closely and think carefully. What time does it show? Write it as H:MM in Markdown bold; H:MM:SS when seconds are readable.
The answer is **2:48:43**
